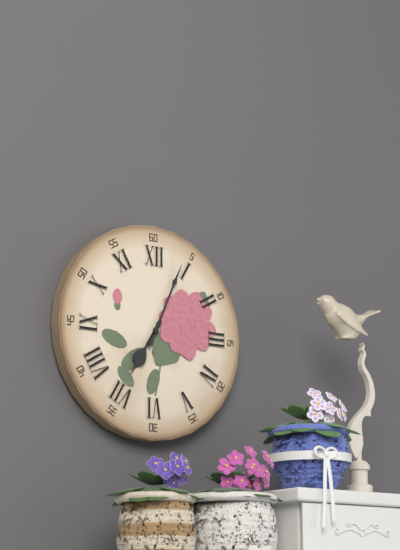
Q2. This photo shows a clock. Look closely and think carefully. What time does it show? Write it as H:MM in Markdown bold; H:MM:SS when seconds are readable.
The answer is **7:04**
